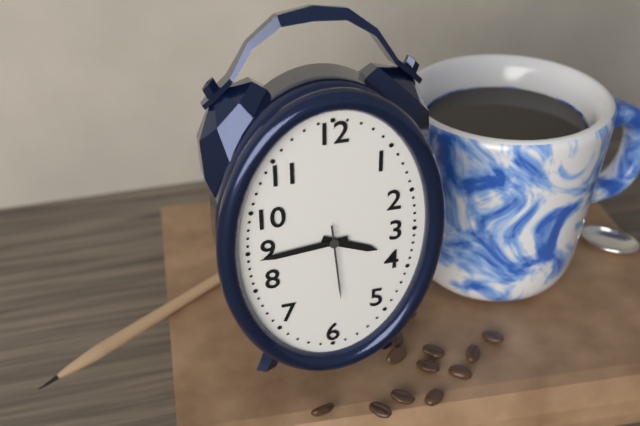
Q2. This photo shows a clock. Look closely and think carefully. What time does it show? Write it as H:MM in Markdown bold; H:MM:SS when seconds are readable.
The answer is **3:44:29**
